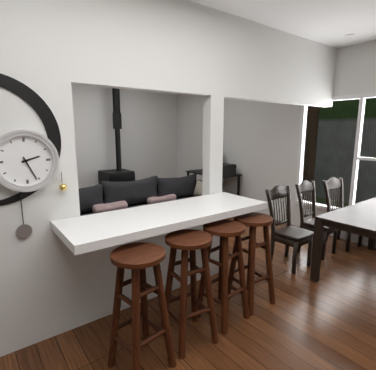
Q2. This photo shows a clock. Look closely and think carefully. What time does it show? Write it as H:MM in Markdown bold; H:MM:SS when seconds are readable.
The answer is **2:26**
